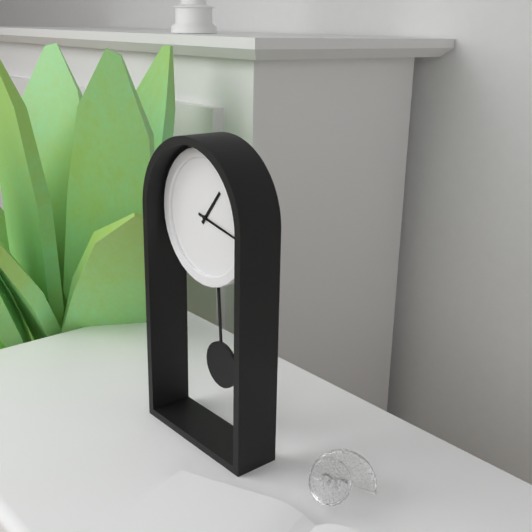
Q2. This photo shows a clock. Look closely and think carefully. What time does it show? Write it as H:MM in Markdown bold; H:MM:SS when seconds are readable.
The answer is **1:17**
